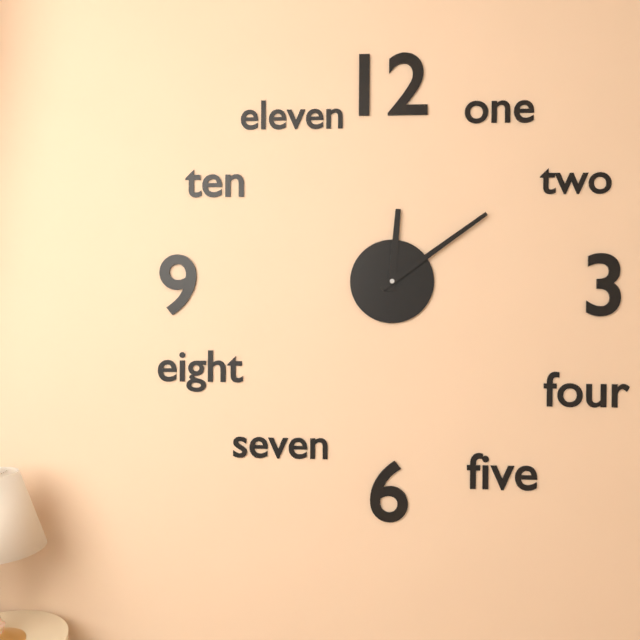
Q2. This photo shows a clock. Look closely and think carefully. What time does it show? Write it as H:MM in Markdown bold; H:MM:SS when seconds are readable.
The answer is **12:09**
